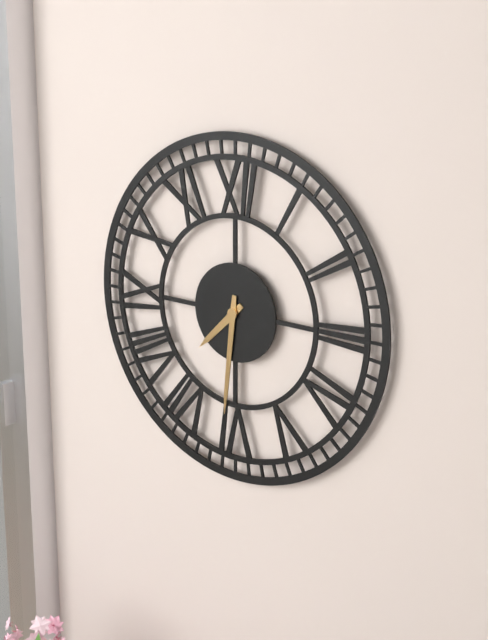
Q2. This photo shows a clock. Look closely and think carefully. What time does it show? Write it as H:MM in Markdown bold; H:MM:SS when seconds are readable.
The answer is **7:31**
